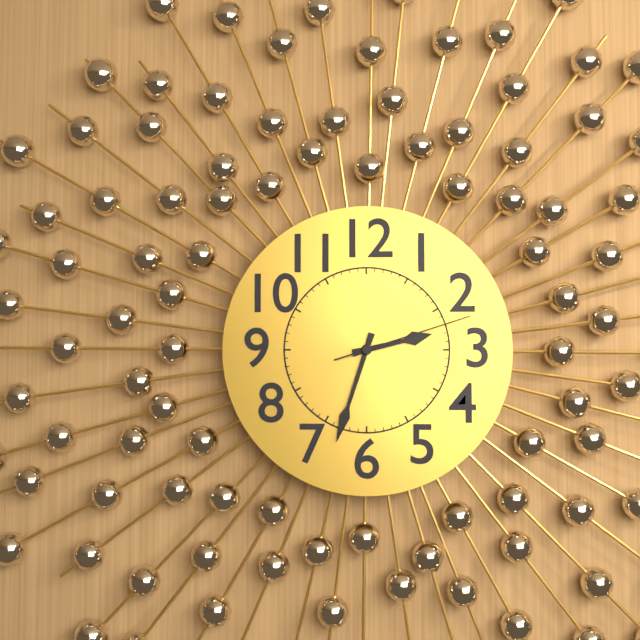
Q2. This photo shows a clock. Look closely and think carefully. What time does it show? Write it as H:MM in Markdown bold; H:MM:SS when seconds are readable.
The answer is **2:33:12**
